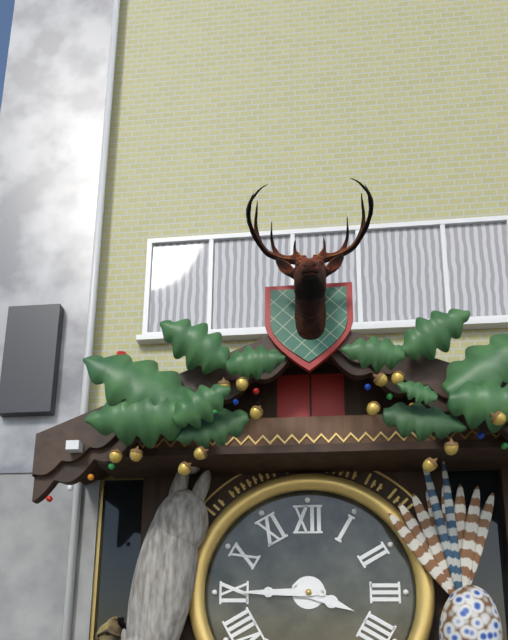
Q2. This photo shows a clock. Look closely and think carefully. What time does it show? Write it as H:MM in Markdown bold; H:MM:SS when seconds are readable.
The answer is **3:45**
